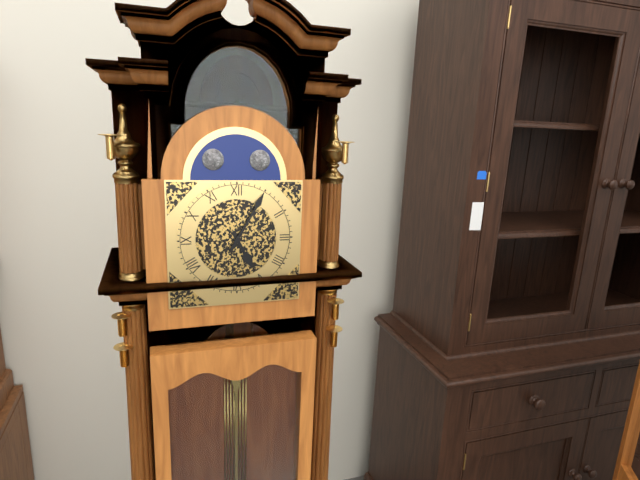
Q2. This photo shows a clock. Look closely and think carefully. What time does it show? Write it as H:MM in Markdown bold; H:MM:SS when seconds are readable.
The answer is **5:05**
